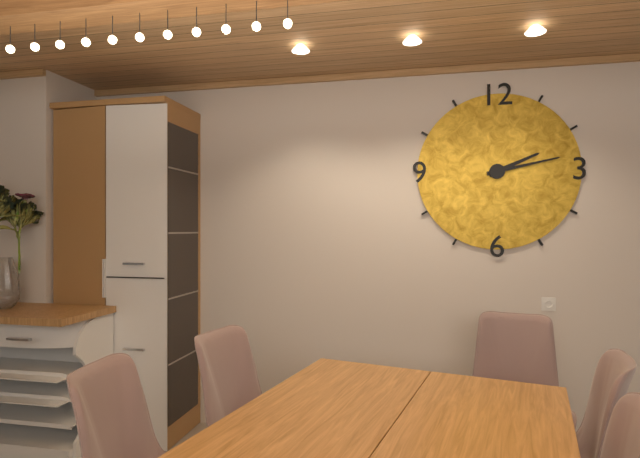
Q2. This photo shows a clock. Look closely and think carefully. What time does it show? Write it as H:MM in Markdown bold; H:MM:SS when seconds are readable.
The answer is **2:13**
